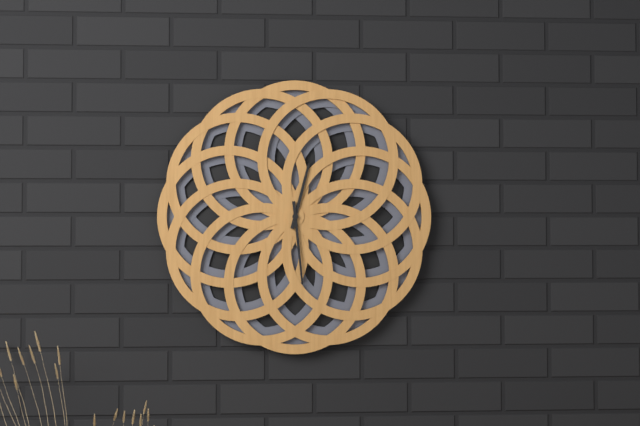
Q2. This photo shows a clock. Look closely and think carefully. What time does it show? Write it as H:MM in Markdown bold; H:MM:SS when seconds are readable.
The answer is **12:29**
